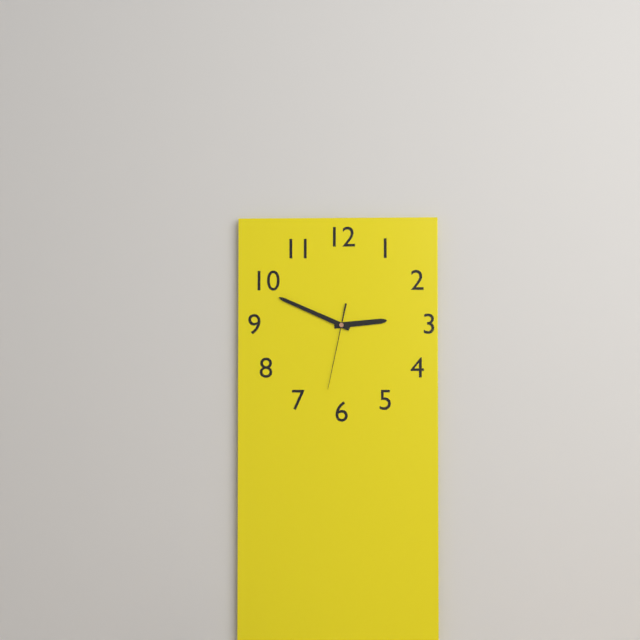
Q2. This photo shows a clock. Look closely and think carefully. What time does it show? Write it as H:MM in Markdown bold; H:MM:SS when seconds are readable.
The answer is **2:49:32**
